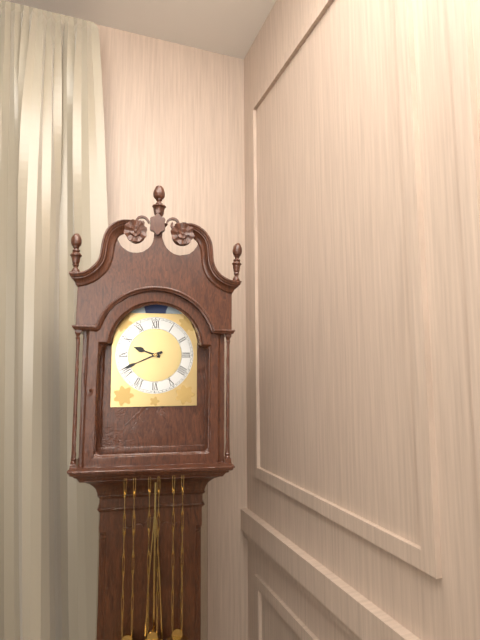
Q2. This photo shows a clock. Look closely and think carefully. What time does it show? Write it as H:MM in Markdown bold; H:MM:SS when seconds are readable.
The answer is **9:41**
